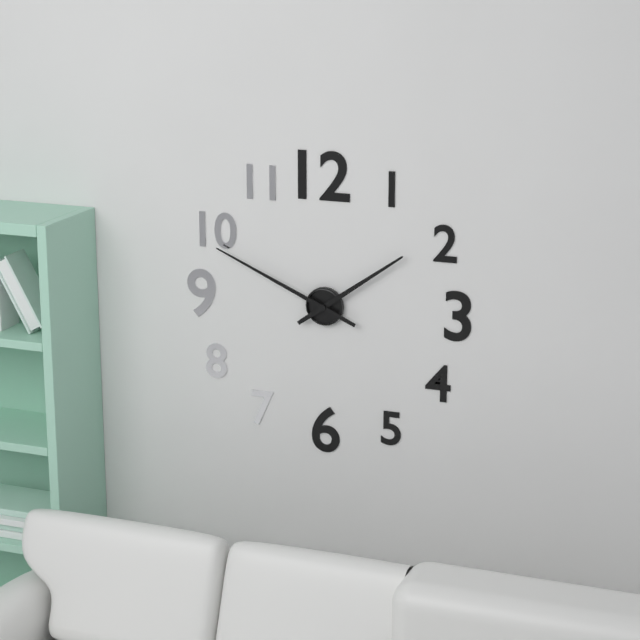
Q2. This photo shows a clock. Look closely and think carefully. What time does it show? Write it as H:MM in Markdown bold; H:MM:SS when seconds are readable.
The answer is **1:49**
